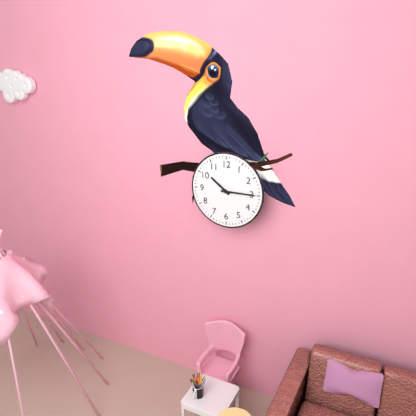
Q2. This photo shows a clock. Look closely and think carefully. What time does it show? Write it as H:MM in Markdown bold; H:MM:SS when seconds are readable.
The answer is **10:15**
